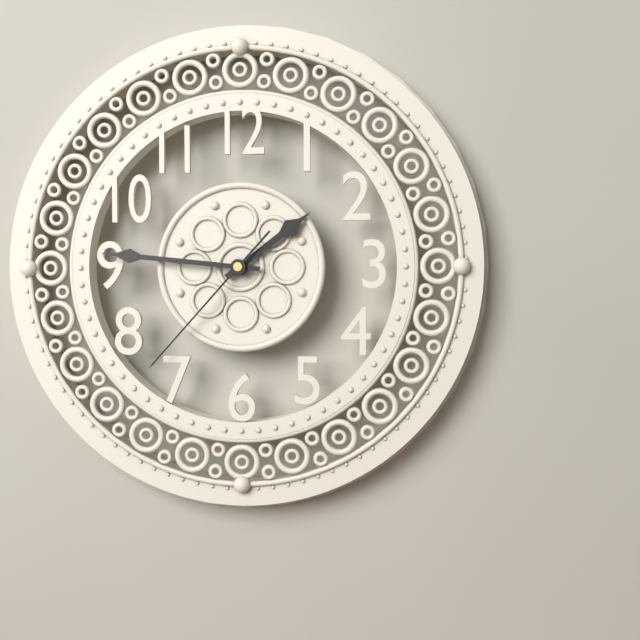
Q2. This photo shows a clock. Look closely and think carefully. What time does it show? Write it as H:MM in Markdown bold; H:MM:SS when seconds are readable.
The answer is **1:46:37**
